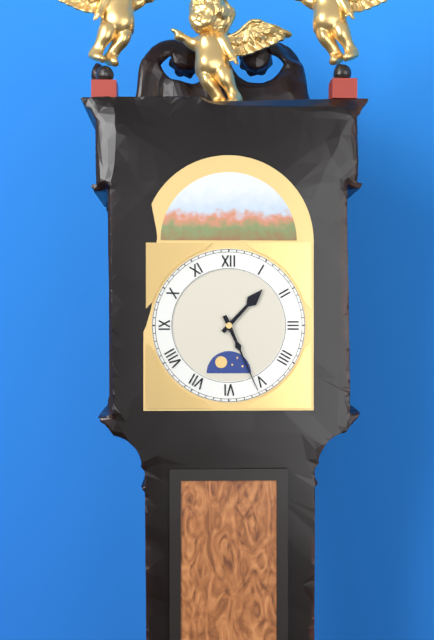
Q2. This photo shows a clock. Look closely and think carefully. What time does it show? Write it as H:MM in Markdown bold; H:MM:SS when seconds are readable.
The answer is **1:26**
